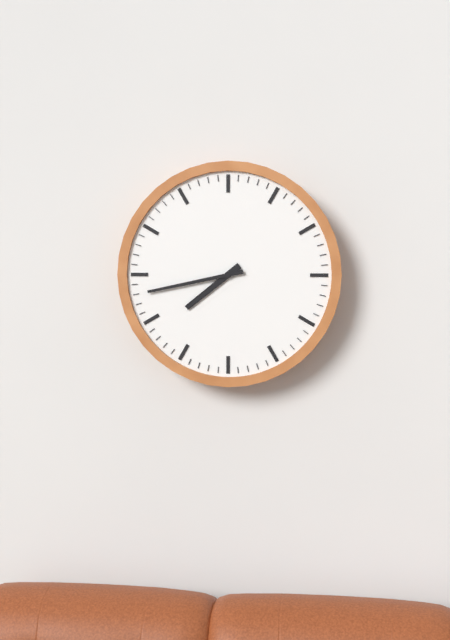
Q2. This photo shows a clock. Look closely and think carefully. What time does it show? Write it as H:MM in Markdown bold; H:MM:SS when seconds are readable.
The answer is **7:43**
